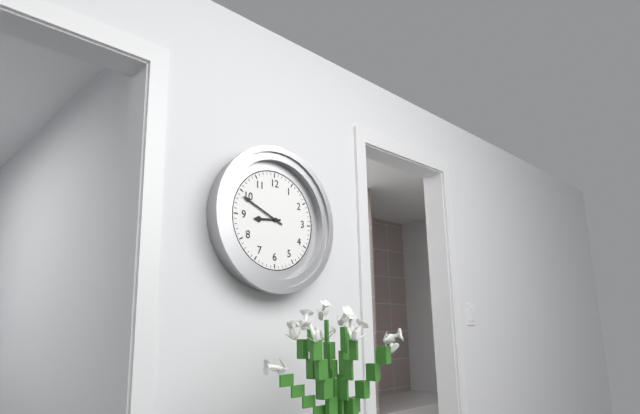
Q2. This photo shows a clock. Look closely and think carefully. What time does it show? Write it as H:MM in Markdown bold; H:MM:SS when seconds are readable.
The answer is **8:49**
